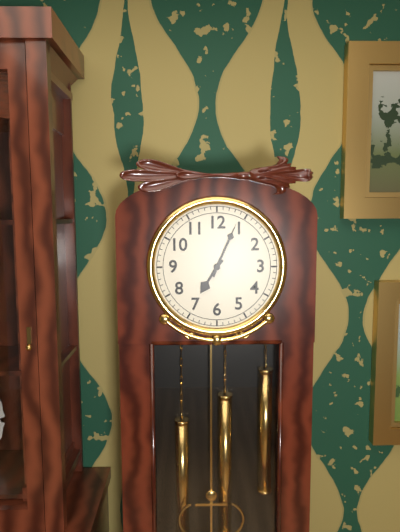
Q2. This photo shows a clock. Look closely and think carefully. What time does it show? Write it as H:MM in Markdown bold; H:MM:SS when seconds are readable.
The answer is **7:04**
